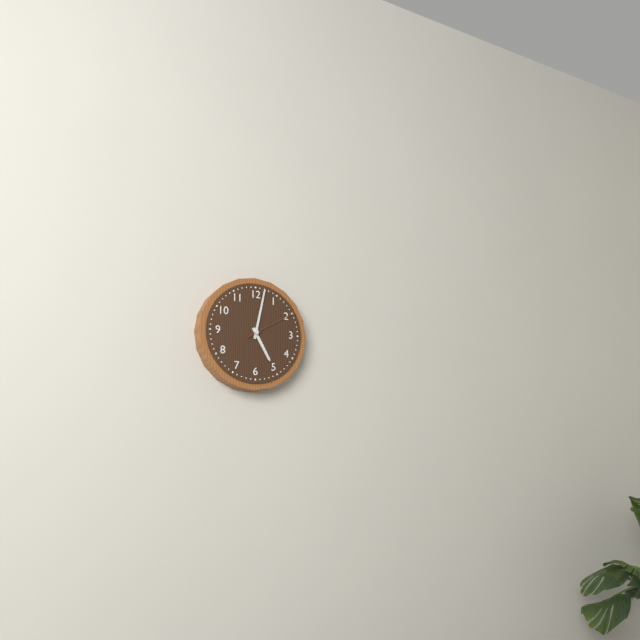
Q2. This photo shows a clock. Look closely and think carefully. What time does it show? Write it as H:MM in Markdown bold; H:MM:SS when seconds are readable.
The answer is **5:02:10**
